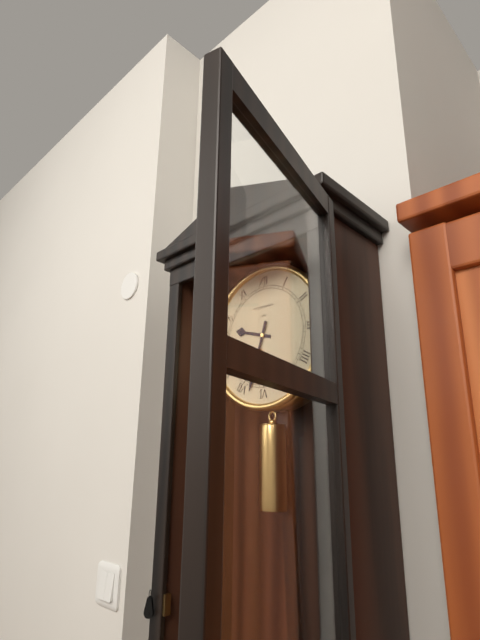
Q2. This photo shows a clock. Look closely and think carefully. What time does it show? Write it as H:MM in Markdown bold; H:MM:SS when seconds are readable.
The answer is **9:33**
